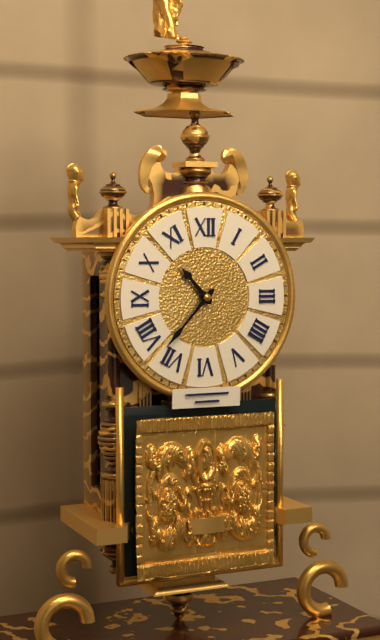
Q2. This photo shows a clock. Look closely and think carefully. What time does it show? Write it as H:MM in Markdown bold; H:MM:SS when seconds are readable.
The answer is **10:37**
